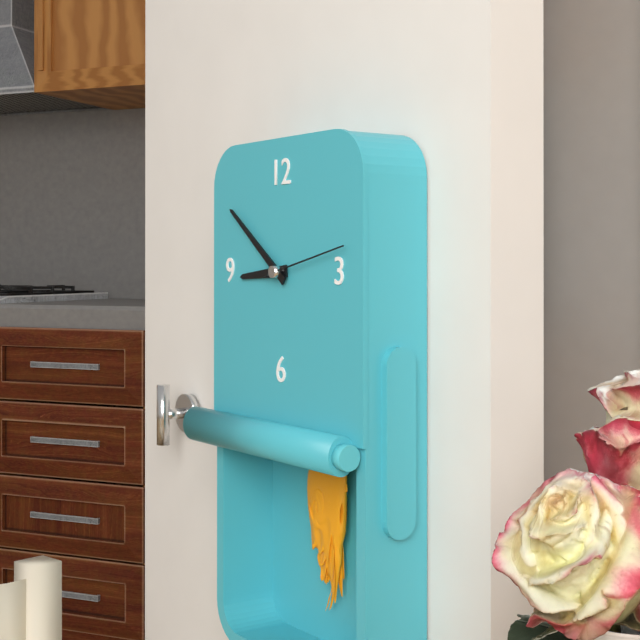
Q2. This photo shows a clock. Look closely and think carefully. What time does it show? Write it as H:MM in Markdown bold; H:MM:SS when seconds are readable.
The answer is **8:51:13**
